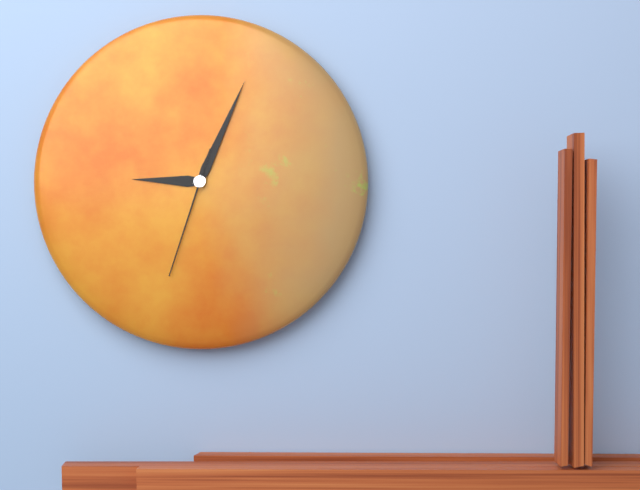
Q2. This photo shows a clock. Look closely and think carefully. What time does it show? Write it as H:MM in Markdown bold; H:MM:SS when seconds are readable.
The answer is **9:04:33**
